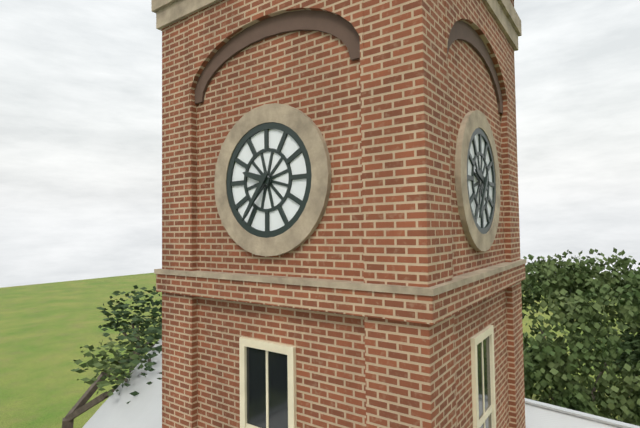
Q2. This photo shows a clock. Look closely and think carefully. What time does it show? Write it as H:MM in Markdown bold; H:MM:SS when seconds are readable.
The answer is **9:36**
